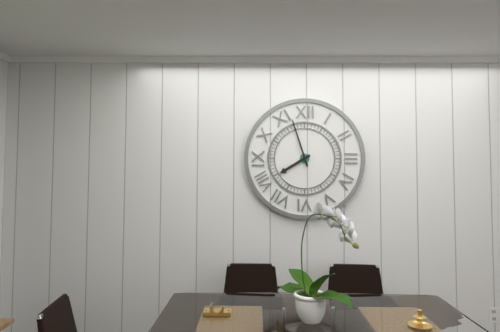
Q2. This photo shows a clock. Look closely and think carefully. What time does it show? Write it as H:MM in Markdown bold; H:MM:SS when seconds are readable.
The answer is **7:57**
